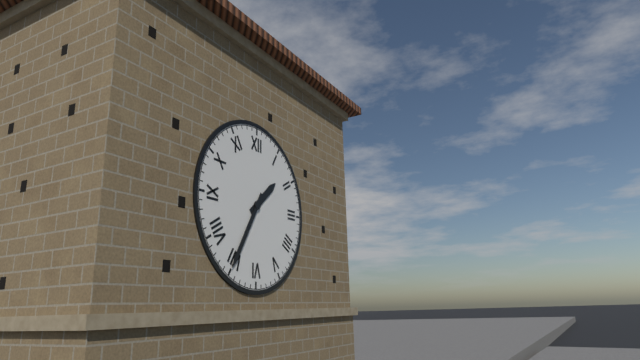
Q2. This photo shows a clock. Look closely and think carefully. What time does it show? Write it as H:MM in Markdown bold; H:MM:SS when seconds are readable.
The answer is **1:35**
